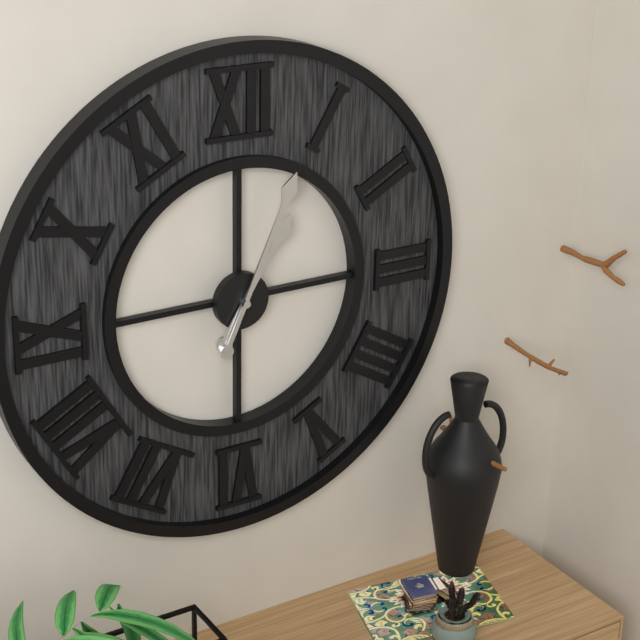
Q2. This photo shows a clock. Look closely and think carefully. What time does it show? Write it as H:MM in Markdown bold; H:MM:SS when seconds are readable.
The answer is **1:04**
